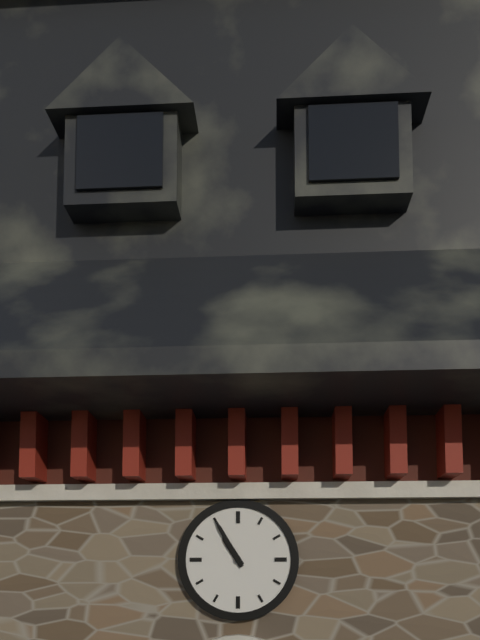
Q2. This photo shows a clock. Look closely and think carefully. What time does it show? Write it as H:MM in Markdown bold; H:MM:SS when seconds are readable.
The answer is **10:55**
